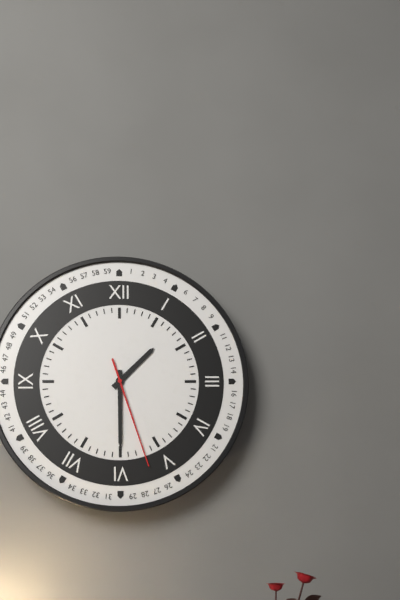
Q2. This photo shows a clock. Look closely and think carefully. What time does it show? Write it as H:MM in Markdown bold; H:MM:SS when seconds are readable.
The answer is **1:30:27**
